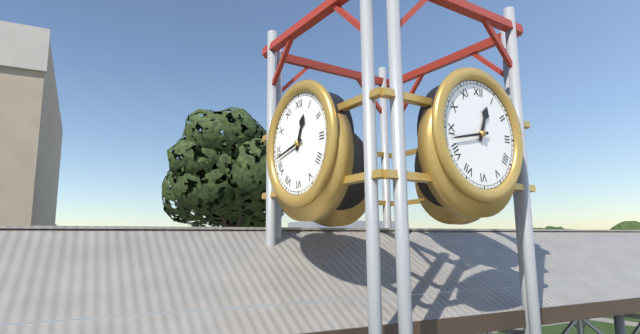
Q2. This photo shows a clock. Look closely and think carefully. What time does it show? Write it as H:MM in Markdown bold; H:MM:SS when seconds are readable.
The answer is **12:43**
